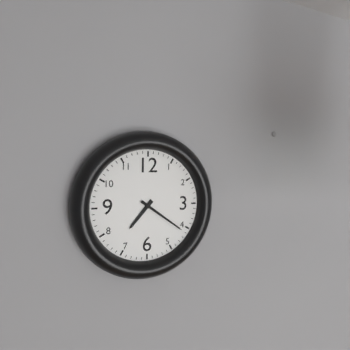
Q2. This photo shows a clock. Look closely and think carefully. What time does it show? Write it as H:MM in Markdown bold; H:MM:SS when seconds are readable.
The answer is **7:21**
